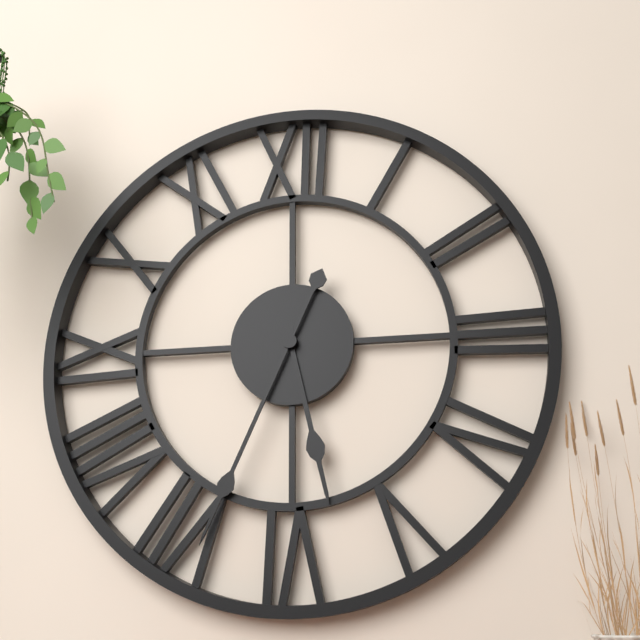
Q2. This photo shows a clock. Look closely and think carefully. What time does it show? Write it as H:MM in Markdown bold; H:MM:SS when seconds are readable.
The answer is **5:34**
